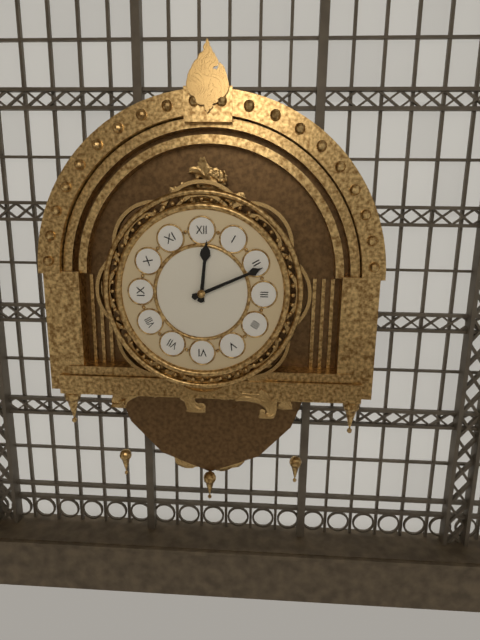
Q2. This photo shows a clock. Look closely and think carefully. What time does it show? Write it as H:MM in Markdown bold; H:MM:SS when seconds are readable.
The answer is **12:11**
